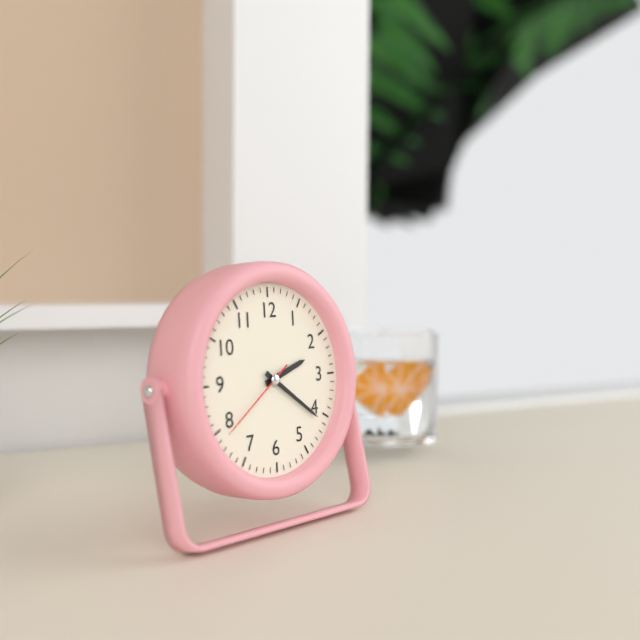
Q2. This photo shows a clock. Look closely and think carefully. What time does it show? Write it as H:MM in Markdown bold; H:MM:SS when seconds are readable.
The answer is **2:21:39**
